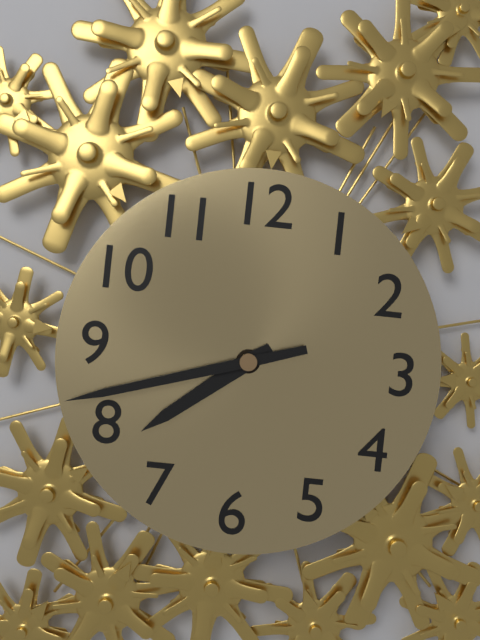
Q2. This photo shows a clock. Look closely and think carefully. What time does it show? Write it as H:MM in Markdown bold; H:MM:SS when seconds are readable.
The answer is **7:42**
